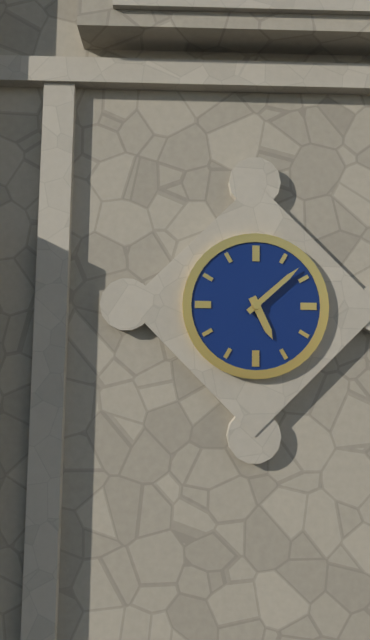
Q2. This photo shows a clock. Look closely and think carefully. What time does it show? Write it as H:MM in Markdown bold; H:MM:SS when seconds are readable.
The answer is **5:08**
